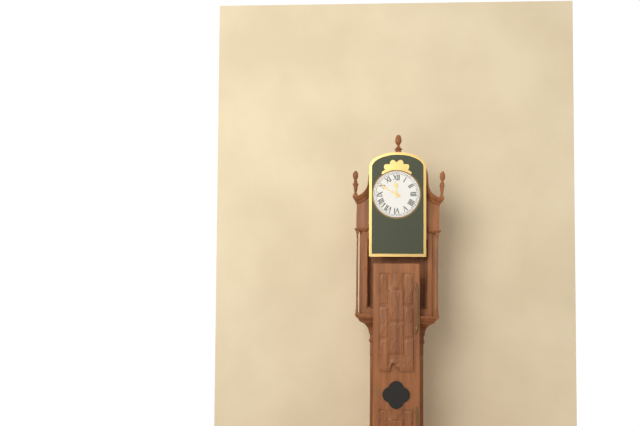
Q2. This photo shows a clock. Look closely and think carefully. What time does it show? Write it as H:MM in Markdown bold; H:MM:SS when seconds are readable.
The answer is **11:50**
